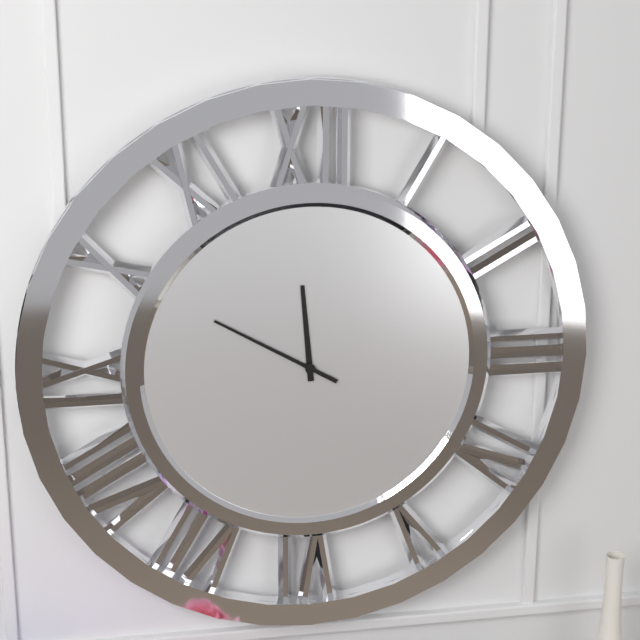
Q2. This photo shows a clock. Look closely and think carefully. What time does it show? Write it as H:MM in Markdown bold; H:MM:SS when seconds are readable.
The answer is **11:50**
